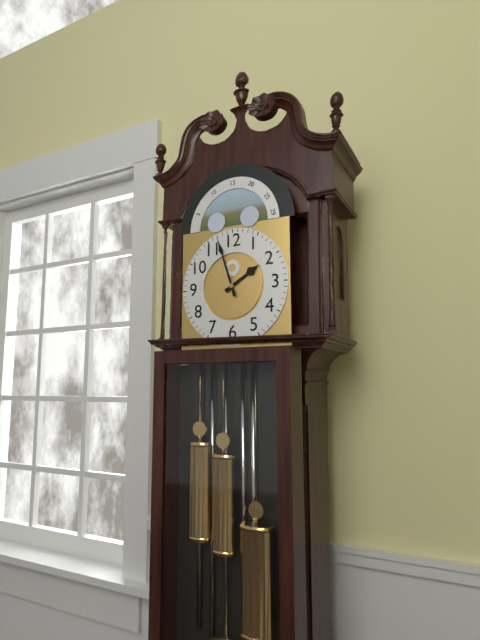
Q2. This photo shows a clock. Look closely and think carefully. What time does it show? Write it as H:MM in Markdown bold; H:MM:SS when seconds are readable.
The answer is **1:57**
